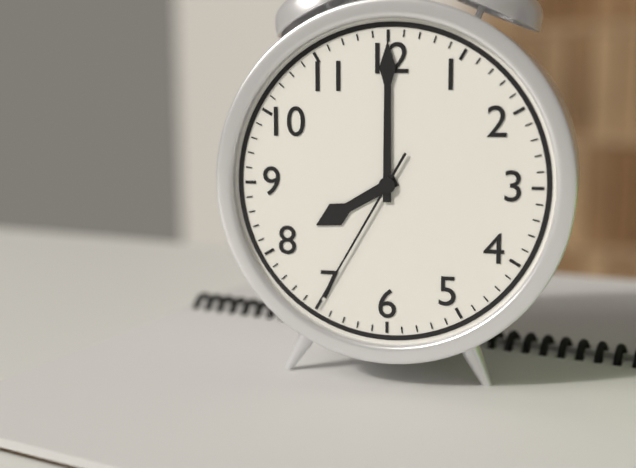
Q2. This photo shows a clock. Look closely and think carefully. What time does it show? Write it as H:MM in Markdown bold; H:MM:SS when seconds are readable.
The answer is **8:00:35**
